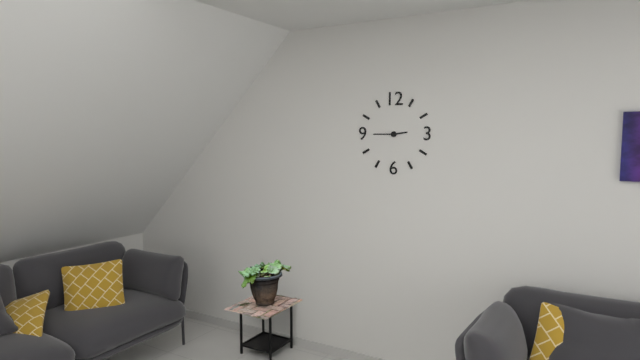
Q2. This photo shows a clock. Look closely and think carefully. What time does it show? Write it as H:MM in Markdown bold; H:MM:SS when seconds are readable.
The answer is **2:45**
